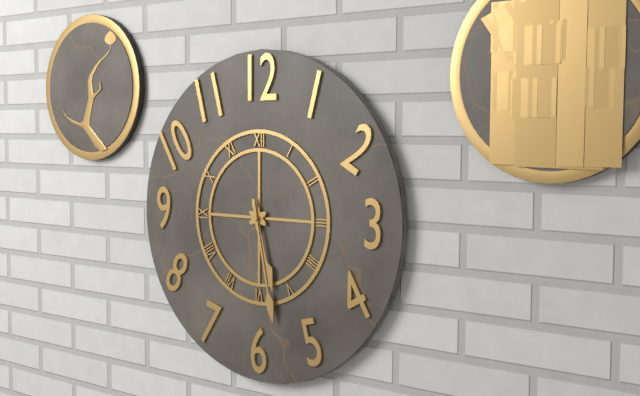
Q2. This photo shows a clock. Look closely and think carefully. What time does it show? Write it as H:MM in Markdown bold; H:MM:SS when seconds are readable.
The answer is **5:28**
